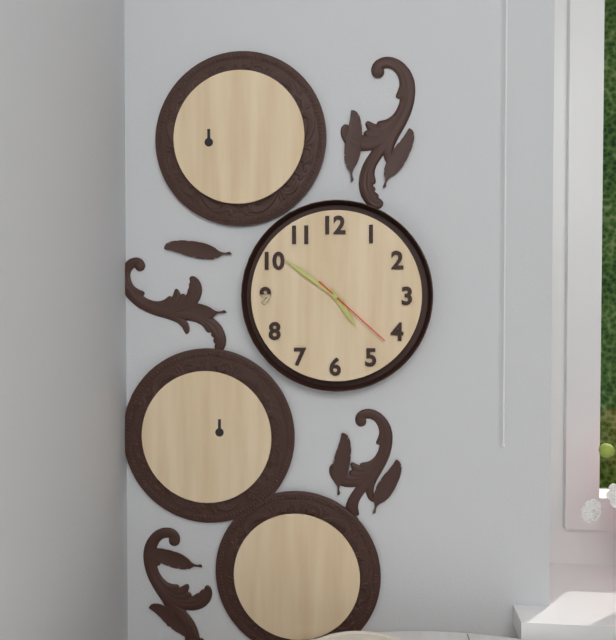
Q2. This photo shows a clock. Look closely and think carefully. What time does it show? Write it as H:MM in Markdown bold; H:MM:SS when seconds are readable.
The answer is **4:51:22**
